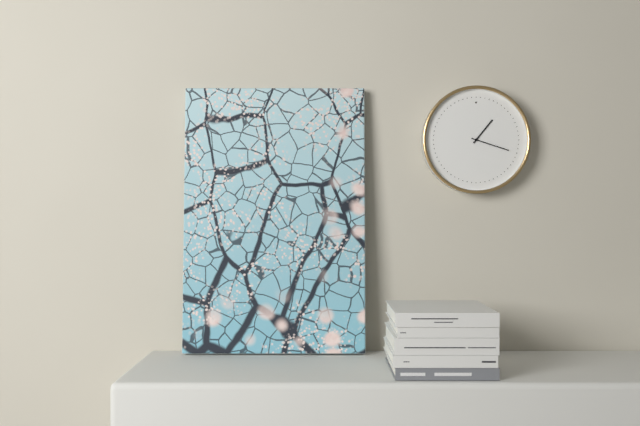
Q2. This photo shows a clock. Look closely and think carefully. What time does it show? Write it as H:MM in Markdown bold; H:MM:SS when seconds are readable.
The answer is **1:18**
